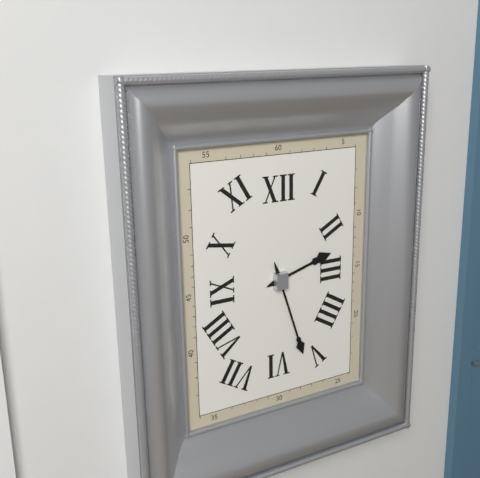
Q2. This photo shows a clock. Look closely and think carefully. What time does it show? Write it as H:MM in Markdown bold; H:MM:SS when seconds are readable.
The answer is **2:27**
